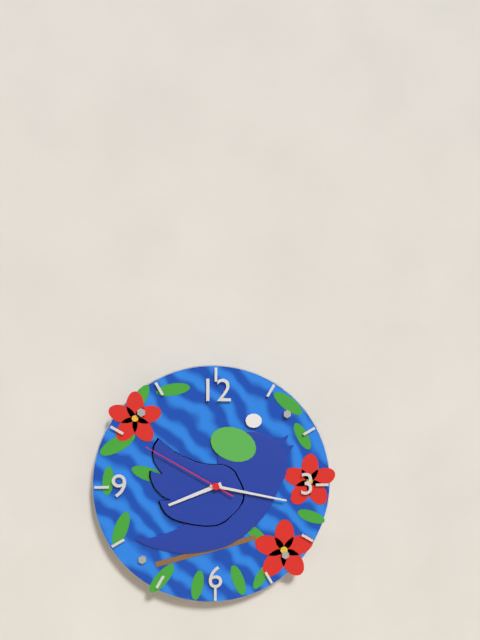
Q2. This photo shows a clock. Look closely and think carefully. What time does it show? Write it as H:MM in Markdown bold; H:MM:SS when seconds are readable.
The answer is **8:17:50**
